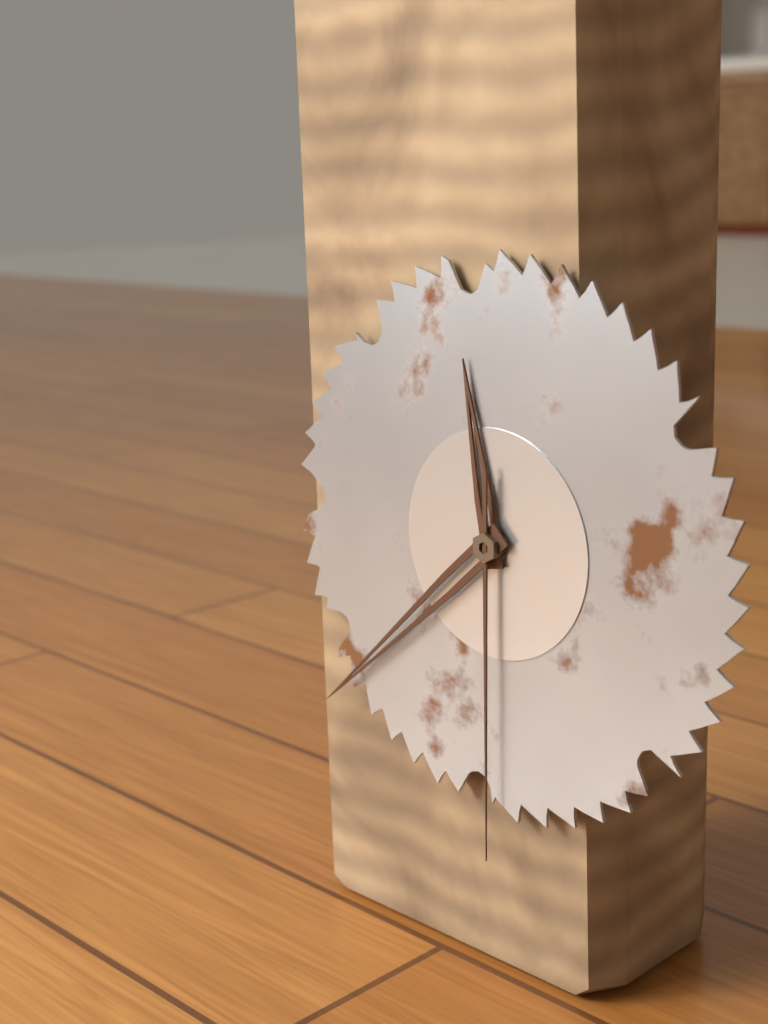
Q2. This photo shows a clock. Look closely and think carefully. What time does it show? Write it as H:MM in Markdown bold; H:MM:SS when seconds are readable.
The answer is **11:38:30**
